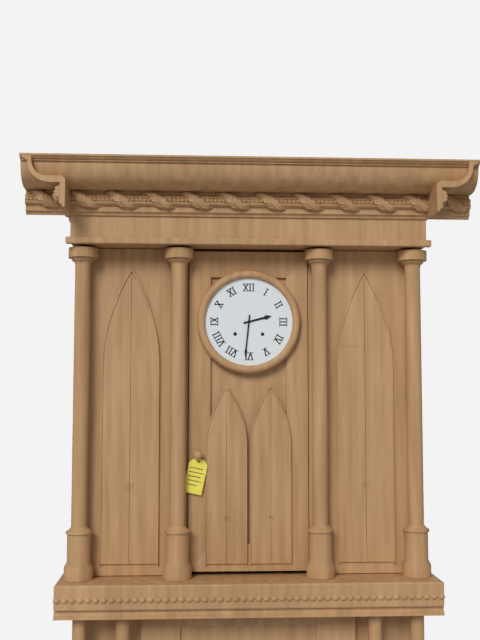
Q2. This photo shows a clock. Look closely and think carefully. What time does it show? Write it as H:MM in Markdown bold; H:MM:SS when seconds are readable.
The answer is **2:31**
